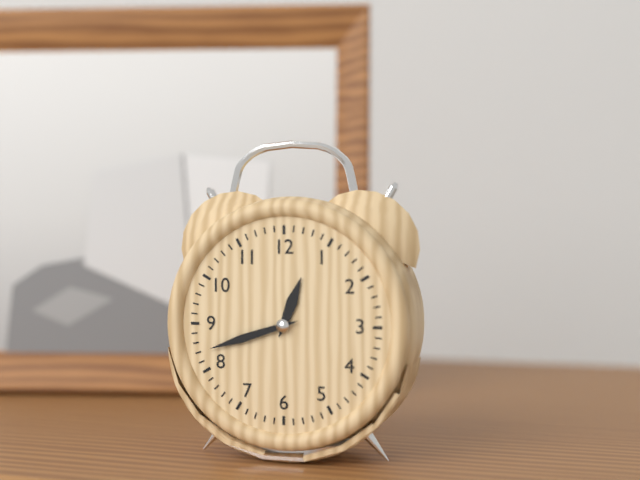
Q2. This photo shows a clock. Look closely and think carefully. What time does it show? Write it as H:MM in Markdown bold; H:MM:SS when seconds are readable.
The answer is **12:42**
